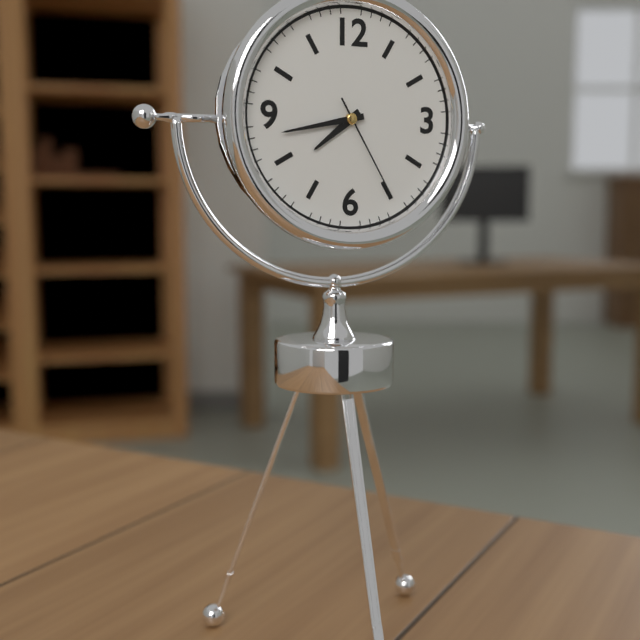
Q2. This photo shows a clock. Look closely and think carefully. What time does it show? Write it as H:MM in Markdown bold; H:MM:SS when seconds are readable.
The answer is **7:43:25**
